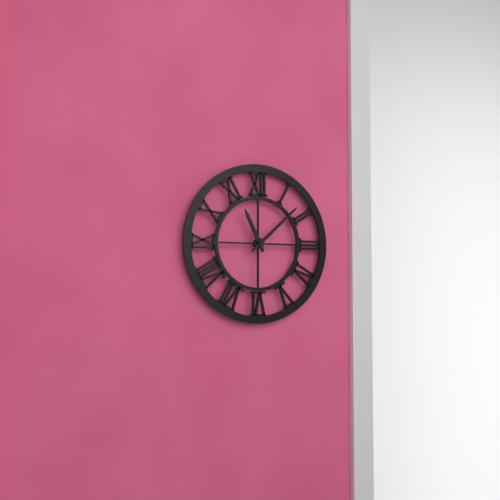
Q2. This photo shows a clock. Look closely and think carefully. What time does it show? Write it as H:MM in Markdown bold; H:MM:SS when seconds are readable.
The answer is **11:08**
